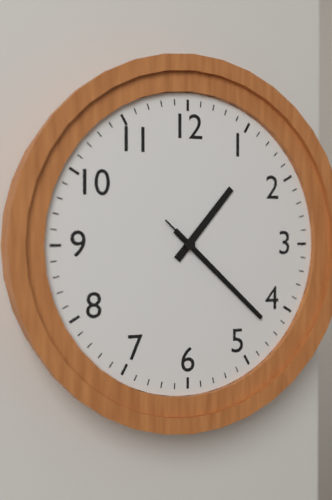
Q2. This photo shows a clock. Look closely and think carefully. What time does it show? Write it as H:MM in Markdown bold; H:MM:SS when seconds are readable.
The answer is **1:22:22**
